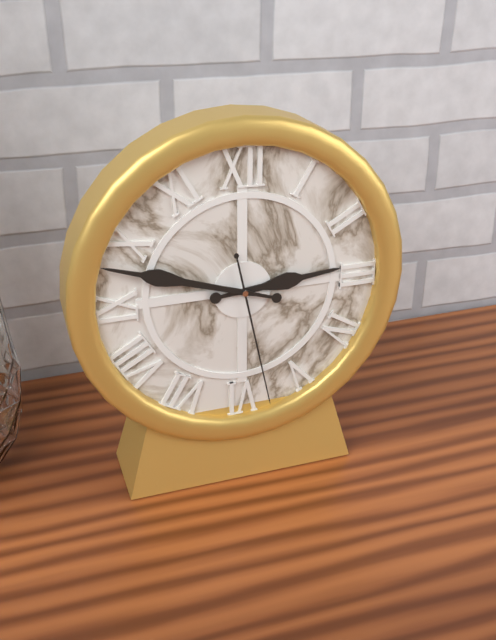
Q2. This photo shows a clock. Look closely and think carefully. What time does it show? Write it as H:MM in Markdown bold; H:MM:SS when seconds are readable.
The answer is **2:48:28**
